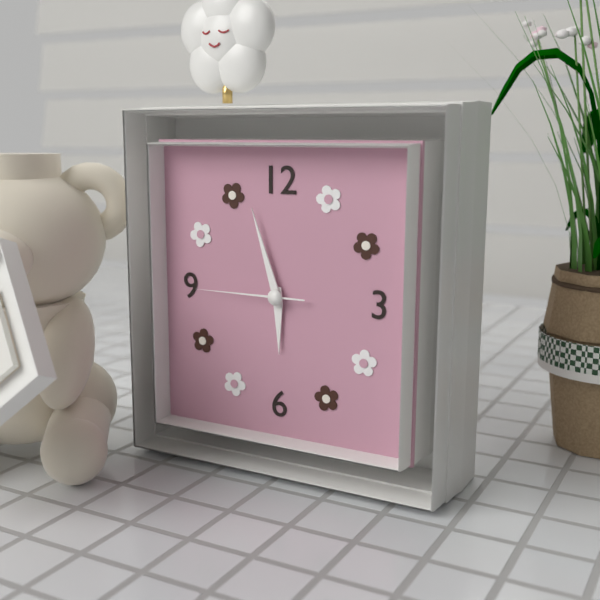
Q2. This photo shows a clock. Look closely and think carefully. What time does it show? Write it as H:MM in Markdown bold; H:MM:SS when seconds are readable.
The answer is **5:57:45**
